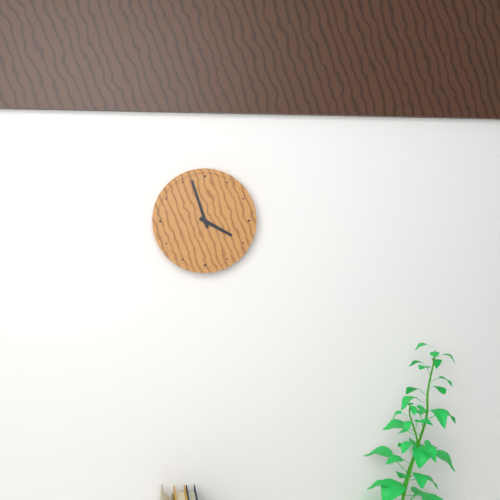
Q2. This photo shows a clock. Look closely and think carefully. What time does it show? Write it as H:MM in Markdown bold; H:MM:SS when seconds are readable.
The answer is **3:57**
